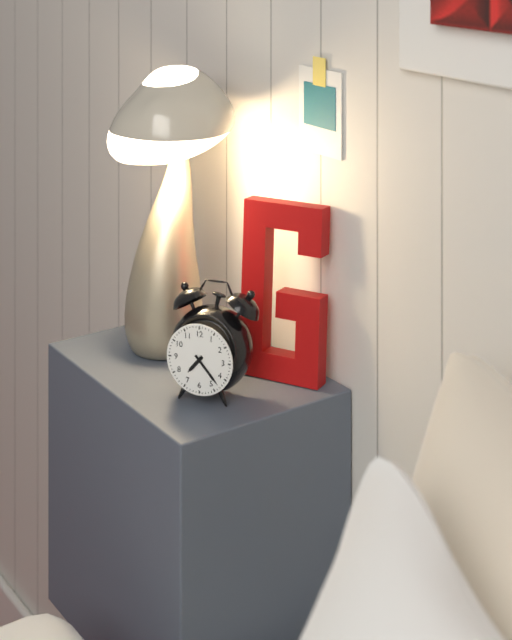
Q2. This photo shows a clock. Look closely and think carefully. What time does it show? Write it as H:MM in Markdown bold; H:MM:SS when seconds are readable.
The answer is **7:23**
